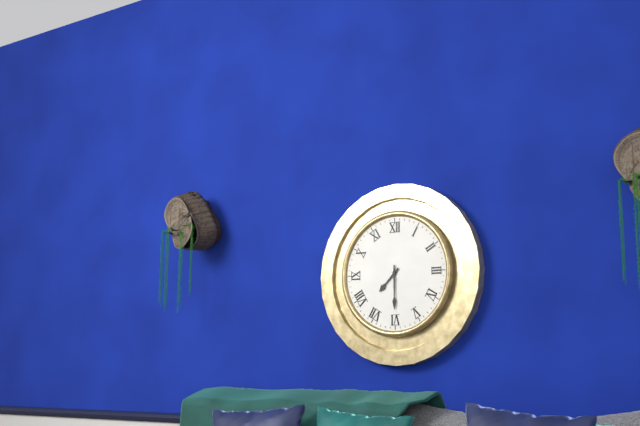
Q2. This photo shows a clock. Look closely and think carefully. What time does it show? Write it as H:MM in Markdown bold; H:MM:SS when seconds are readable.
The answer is **7:30**
